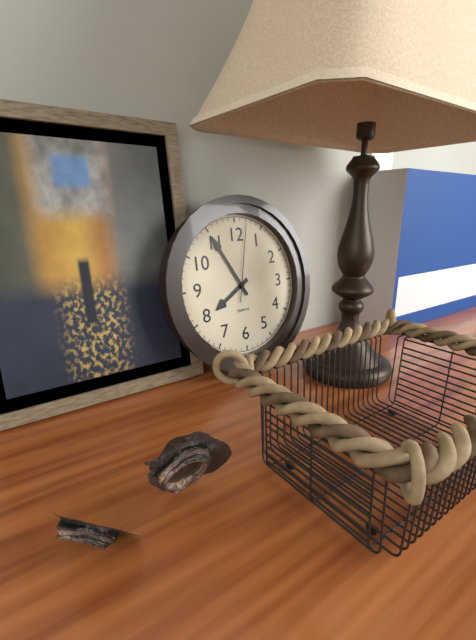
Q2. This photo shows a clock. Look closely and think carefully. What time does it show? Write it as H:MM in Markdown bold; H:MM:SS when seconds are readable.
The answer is **7:55:02**
